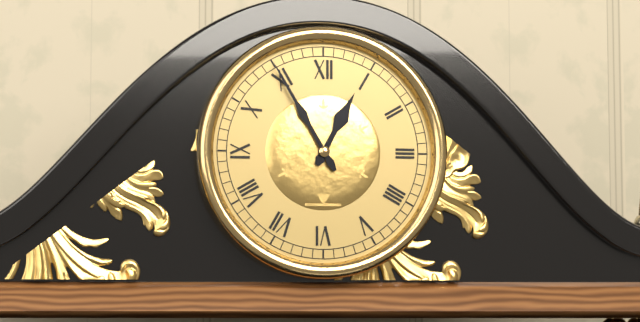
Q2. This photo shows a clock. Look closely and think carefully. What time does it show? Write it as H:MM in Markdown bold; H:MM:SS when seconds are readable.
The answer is **12:55**
